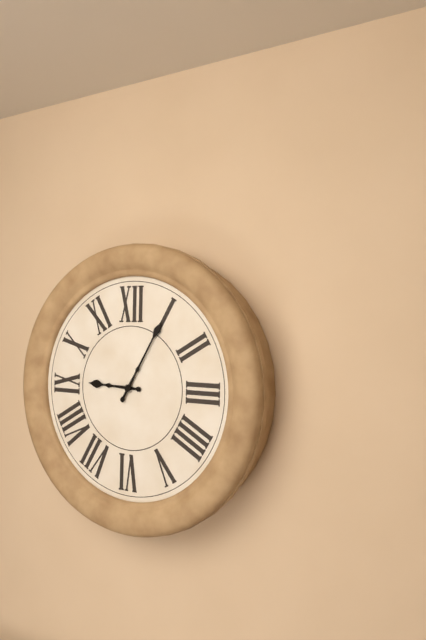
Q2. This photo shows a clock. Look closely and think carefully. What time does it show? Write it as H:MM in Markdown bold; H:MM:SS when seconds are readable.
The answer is **9:05**
